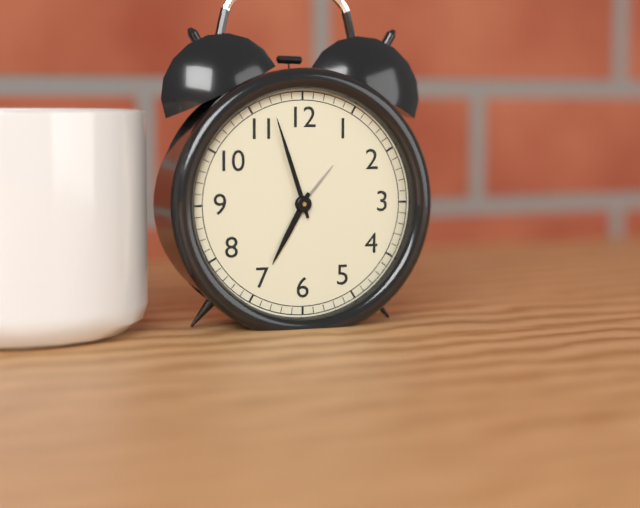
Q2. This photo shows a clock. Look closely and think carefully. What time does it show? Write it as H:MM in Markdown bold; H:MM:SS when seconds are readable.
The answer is **6:57**
